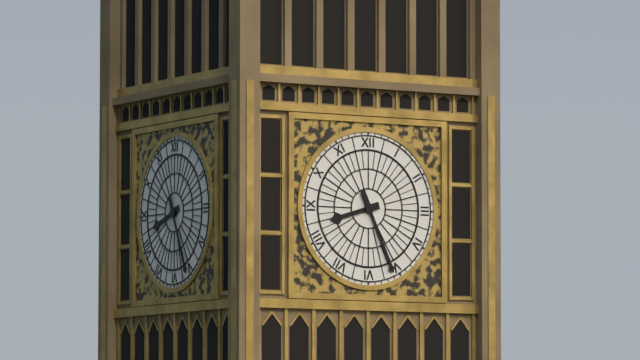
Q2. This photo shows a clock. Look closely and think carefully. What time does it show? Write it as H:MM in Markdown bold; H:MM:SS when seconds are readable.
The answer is **8:26**
